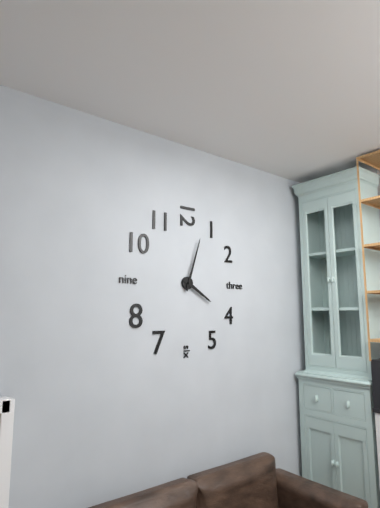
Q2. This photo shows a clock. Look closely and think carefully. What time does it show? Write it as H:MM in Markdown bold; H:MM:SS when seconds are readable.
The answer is **4:03**
